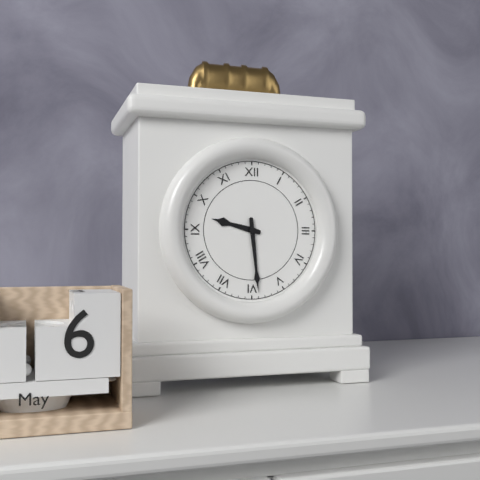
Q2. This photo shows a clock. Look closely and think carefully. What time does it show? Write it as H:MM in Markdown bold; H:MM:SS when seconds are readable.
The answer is **9:29**
